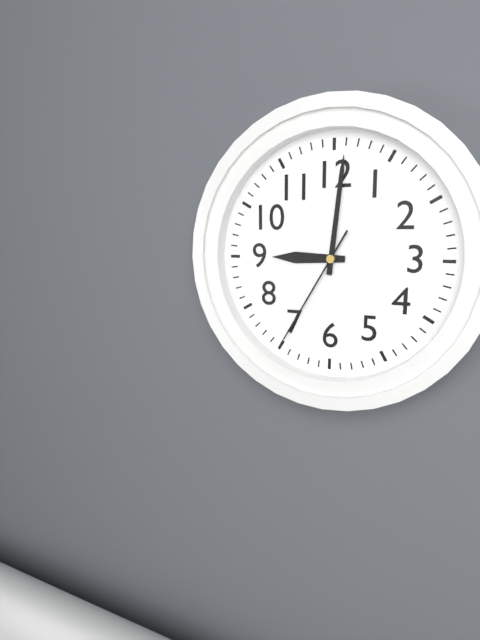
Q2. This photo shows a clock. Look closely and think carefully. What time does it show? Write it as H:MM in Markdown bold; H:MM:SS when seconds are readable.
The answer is **9:01:35**
